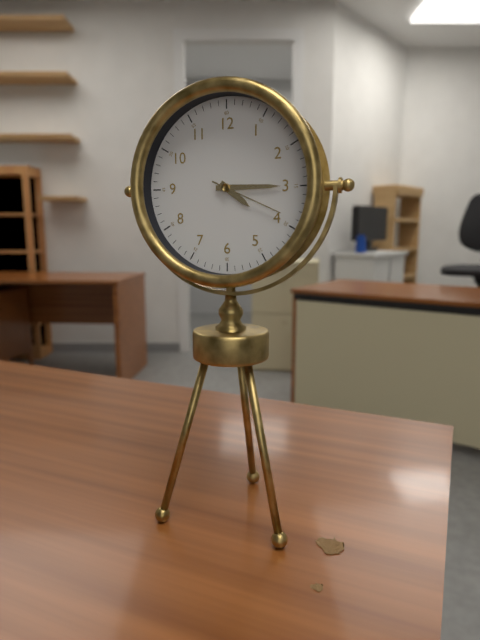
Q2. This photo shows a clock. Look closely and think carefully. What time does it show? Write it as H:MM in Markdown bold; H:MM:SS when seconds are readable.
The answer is **4:15:19**
